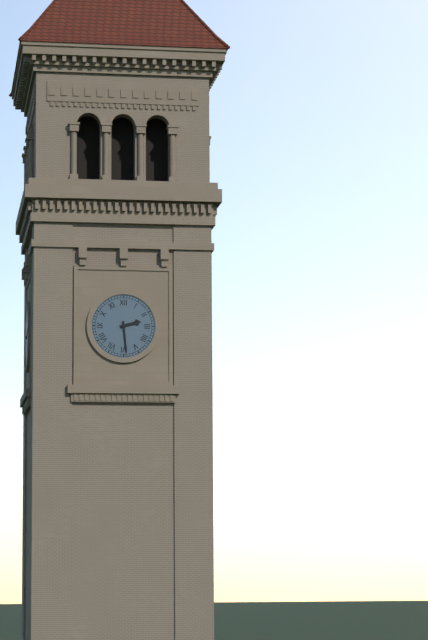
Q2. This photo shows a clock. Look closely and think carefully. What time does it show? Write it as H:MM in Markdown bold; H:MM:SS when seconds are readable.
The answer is **2:29**
